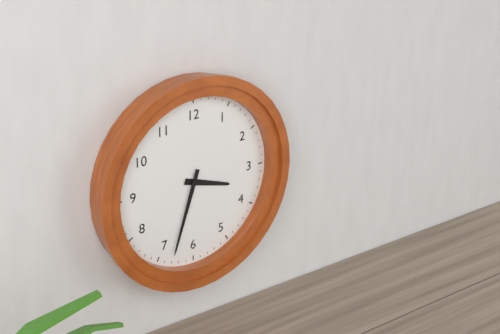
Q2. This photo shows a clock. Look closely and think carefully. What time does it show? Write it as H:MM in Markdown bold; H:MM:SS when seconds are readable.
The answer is **3:33**
